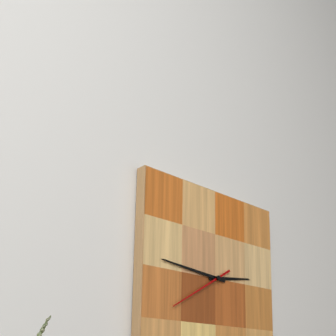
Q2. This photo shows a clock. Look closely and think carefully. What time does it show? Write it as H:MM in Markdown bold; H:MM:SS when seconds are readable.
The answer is **2:46:40**
